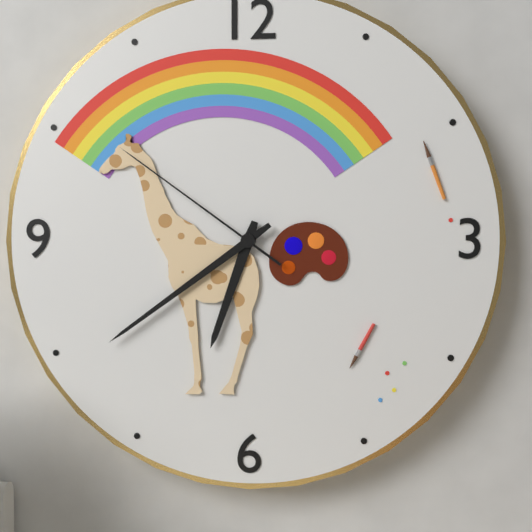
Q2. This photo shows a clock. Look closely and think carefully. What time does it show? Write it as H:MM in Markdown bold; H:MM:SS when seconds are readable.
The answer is **6:39:51**
